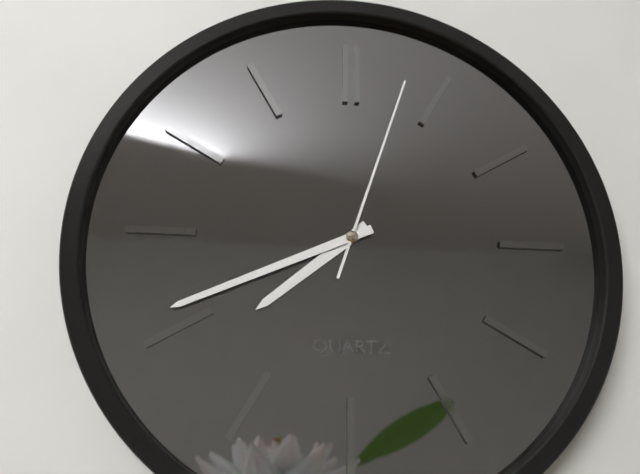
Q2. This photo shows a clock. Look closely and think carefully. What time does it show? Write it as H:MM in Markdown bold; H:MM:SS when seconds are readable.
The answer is **7:41:03**
